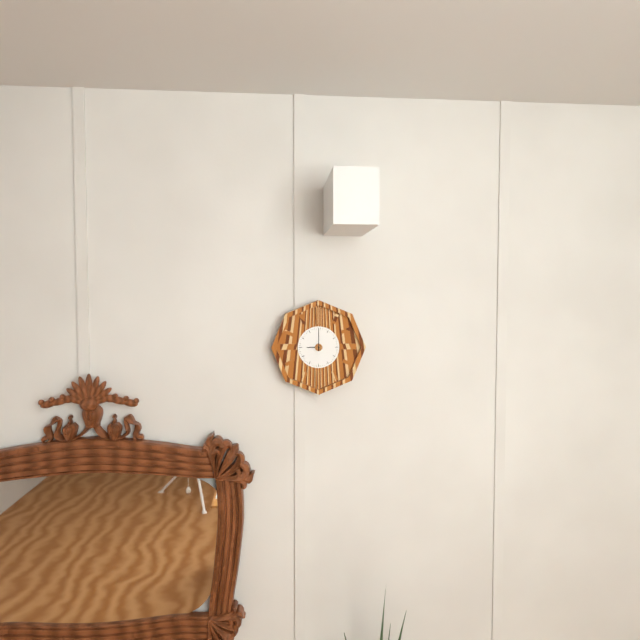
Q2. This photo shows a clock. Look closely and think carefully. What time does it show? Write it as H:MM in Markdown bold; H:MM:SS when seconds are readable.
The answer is **9:00**
